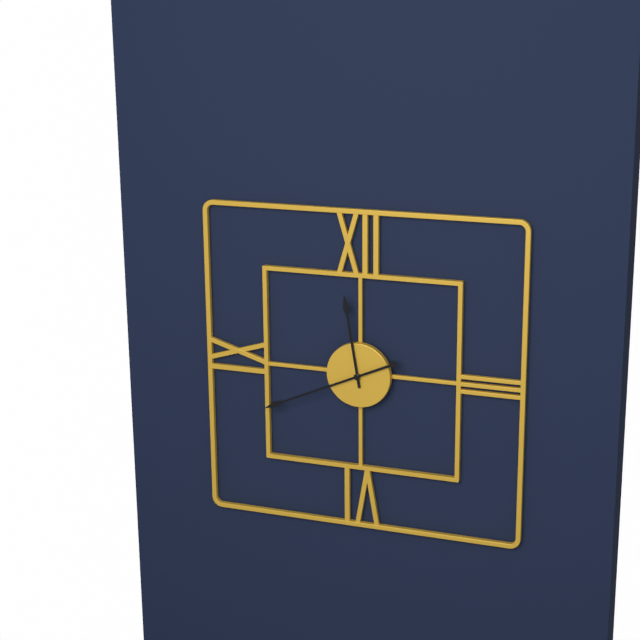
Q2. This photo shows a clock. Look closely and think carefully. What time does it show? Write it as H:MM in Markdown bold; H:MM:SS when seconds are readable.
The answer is **11:41**
